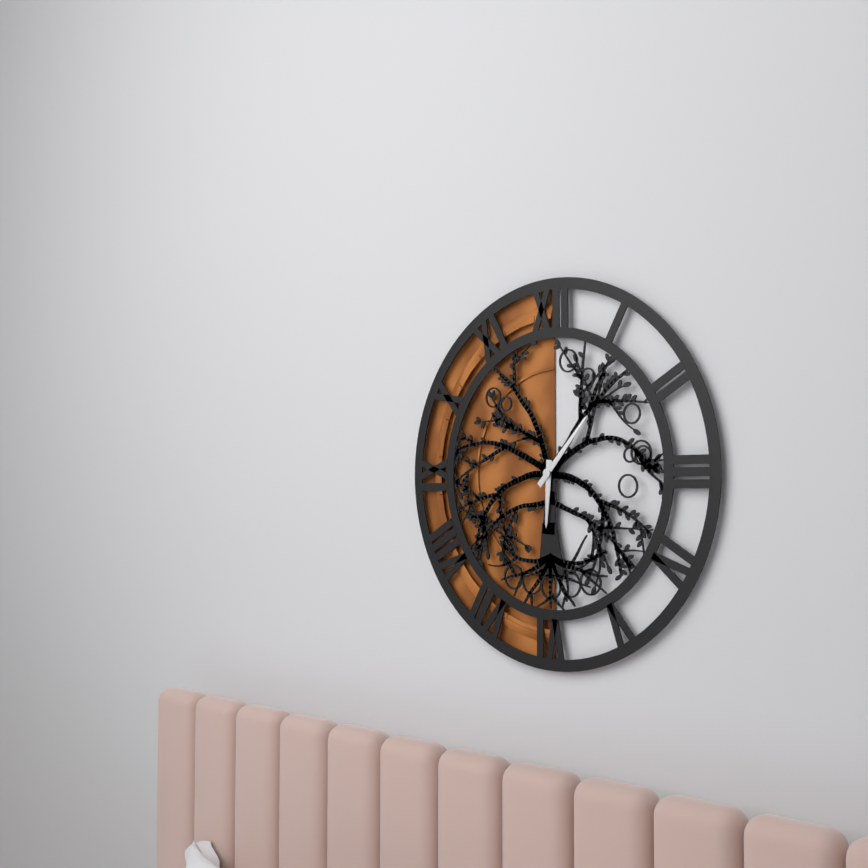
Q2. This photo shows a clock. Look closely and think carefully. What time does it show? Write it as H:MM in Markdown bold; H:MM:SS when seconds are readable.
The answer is **6:07**
